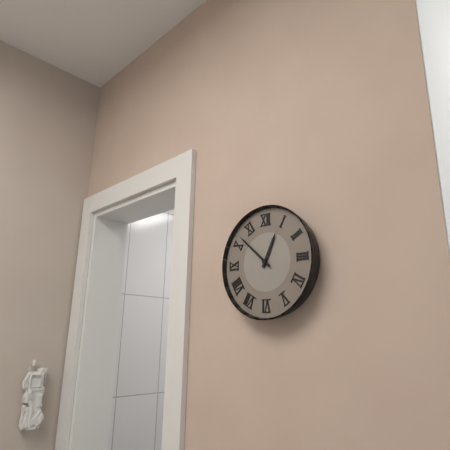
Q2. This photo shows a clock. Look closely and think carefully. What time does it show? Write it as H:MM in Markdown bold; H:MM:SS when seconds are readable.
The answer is **12:52**
